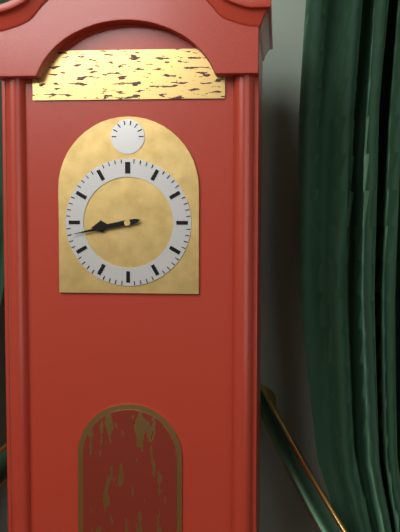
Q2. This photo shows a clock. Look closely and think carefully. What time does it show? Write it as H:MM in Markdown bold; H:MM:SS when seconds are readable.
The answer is **8:43**
